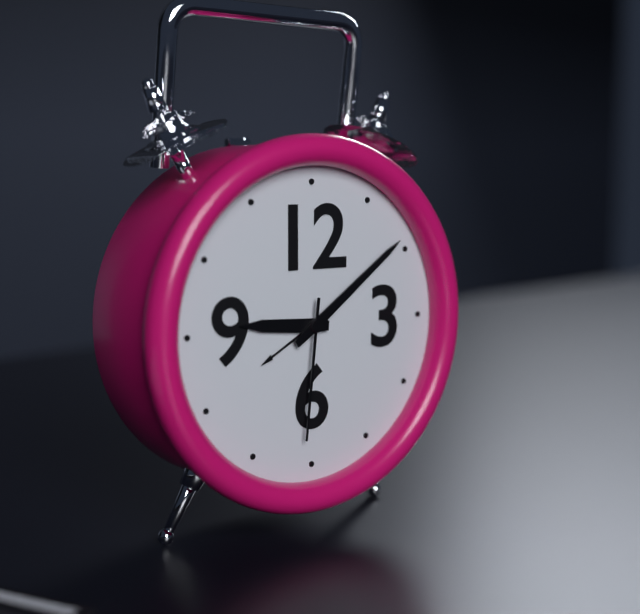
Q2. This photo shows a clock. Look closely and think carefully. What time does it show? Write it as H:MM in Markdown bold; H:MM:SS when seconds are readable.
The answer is **9:09:31**
